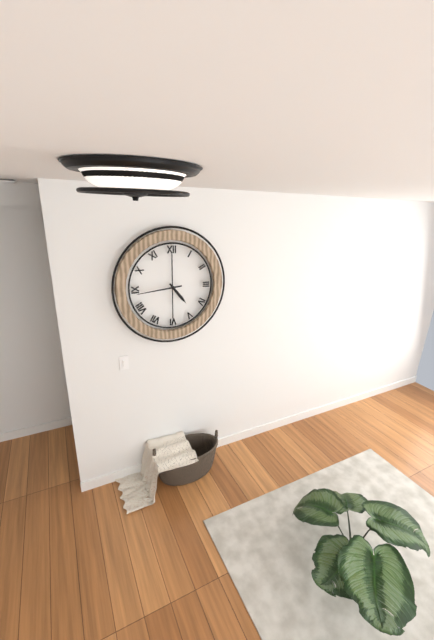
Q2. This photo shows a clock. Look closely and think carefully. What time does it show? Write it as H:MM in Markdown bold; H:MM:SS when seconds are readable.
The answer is **4:44**
